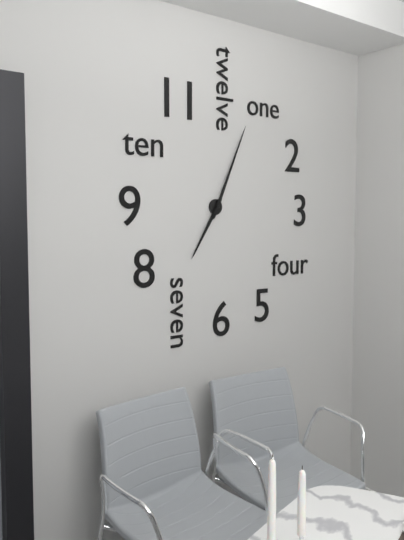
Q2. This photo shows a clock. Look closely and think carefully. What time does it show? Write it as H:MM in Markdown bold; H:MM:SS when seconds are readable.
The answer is **7:04**
